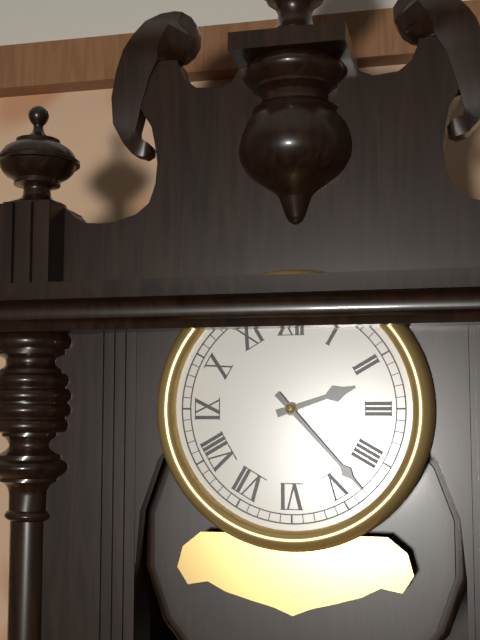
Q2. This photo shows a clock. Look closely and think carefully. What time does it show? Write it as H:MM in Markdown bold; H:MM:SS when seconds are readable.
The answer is **2:23**
